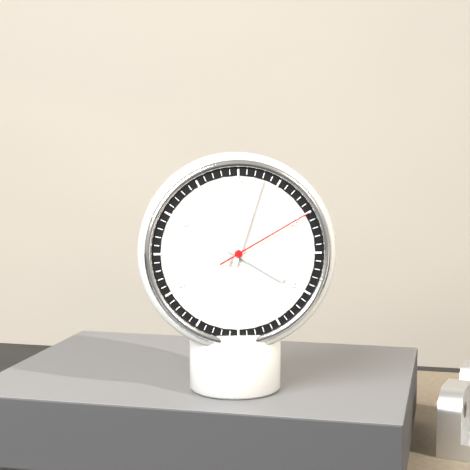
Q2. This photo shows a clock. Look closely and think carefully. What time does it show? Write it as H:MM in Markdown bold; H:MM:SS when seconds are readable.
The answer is **4:03:10**
